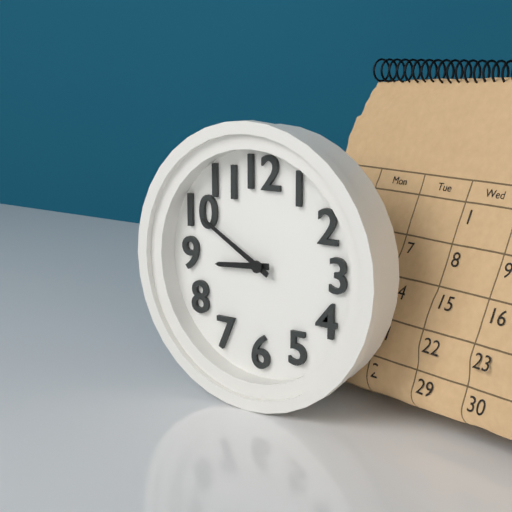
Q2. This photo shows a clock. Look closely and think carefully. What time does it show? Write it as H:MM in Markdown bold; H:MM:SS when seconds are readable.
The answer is **8:50**
